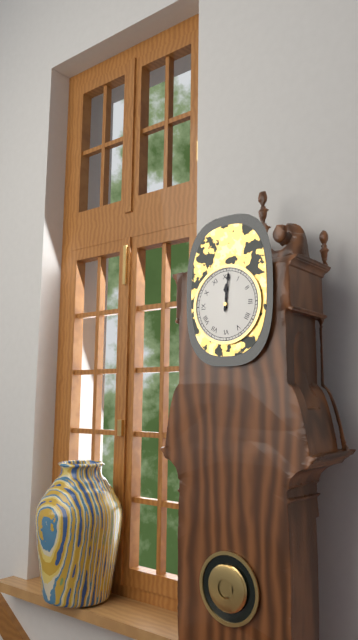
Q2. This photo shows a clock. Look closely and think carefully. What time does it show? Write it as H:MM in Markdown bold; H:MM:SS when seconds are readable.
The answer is **12:01**
